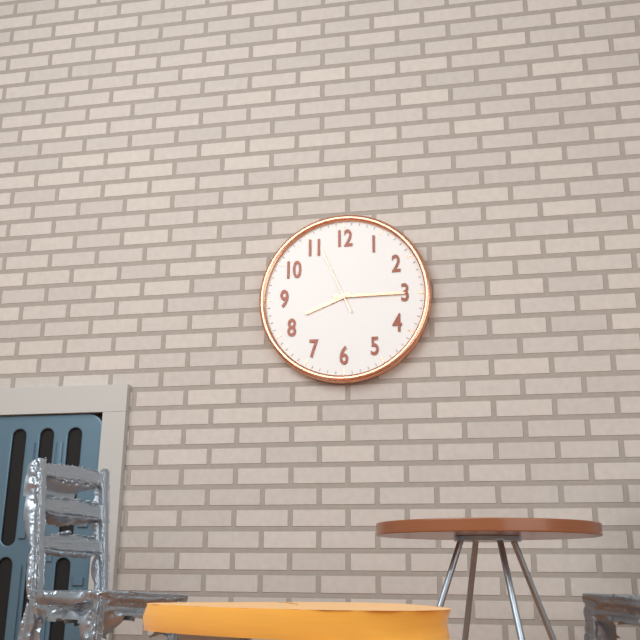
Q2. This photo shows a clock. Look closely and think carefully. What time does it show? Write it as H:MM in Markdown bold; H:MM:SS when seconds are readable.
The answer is **8:15:56**
